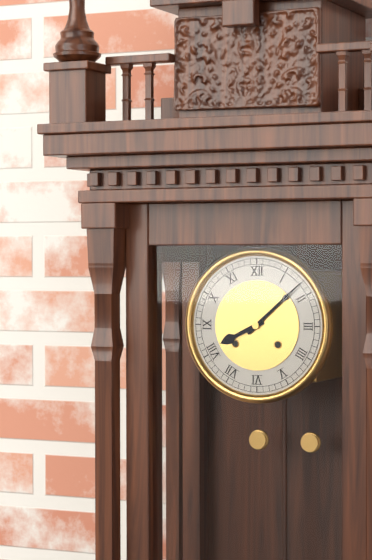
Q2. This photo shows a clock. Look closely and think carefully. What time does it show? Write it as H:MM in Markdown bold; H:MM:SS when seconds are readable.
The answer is **8:08**
